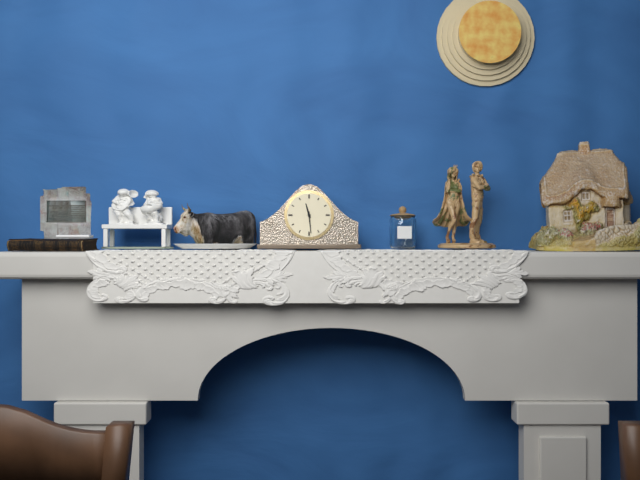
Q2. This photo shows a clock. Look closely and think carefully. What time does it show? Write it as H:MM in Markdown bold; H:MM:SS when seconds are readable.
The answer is **11:29**
